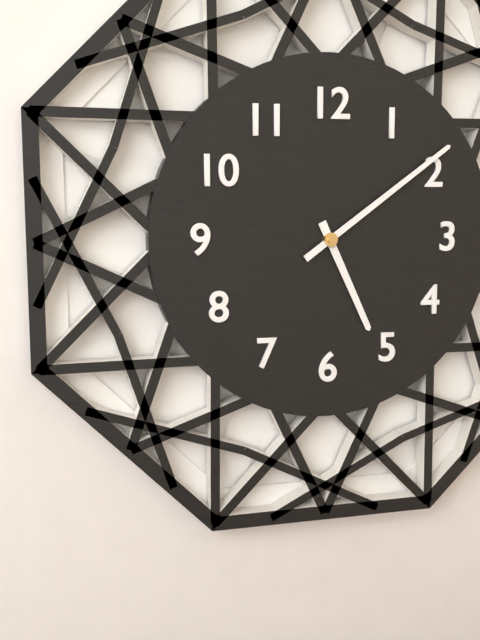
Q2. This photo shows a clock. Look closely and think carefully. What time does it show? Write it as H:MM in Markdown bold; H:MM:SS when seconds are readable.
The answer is **5:09**
